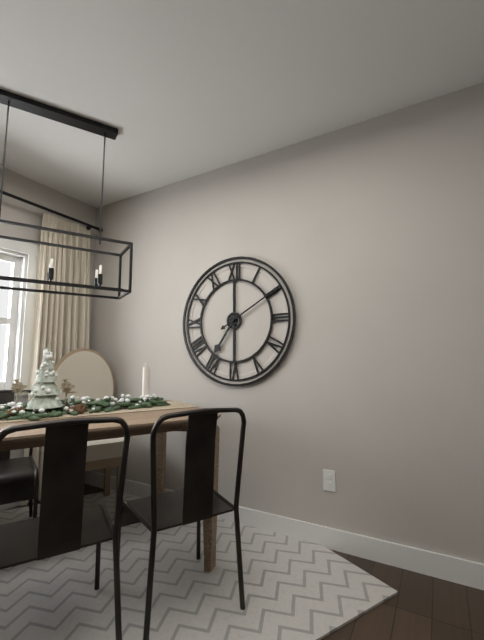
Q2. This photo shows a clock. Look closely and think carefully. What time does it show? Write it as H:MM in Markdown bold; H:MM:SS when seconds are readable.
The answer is **7:10**
